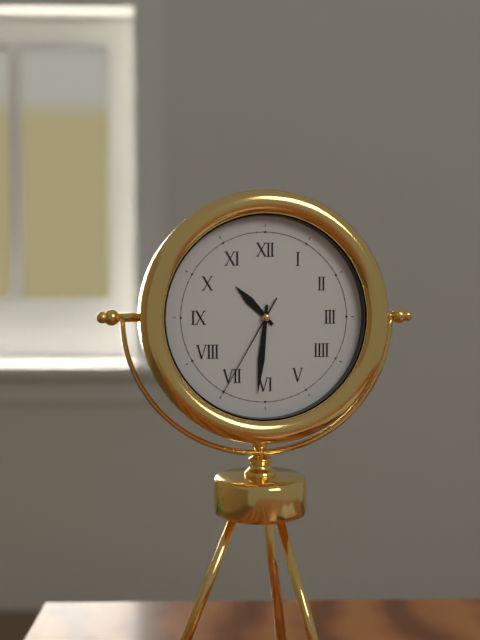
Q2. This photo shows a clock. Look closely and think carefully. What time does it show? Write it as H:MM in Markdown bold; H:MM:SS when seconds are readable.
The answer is **10:31:35**
